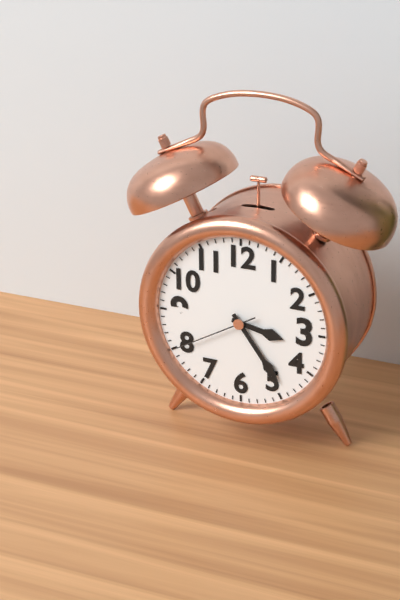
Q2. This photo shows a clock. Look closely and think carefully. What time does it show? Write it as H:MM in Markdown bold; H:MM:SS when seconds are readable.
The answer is **3:24:40**
